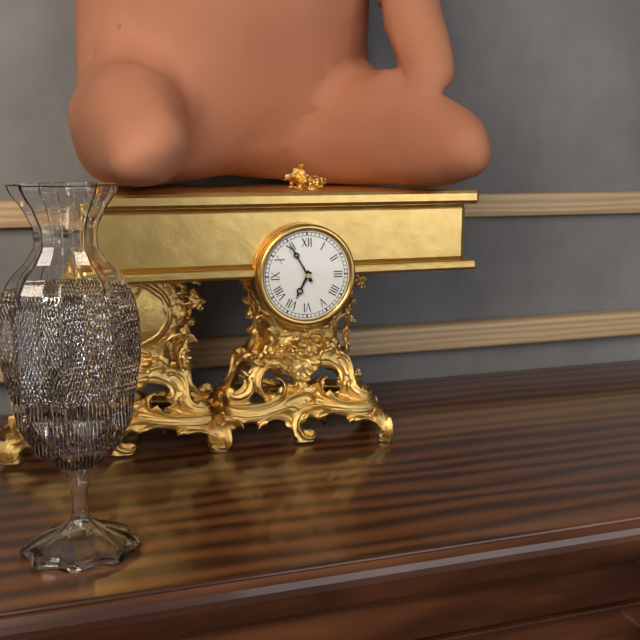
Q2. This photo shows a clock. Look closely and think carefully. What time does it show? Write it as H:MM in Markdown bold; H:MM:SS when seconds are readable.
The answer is **6:55**
